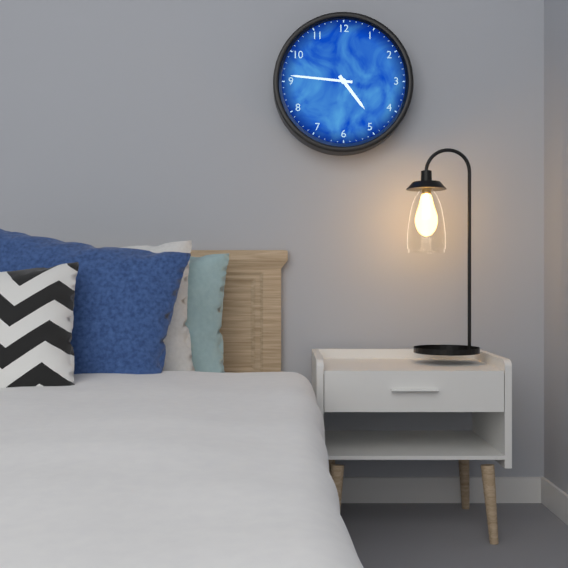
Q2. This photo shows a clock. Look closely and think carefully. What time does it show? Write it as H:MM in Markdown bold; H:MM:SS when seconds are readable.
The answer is **4:46**
